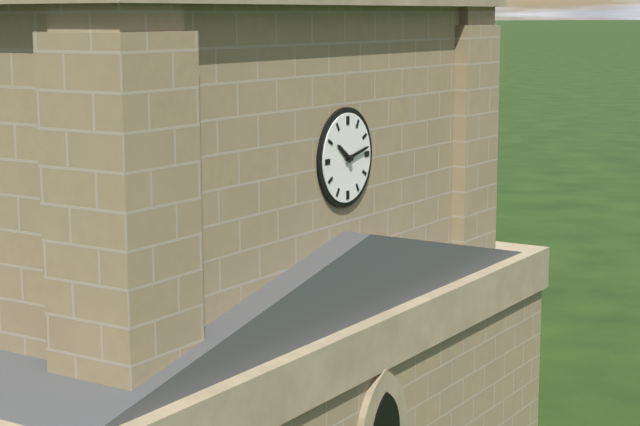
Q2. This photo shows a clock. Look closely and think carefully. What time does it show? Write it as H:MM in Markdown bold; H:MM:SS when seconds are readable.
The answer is **10:13**
